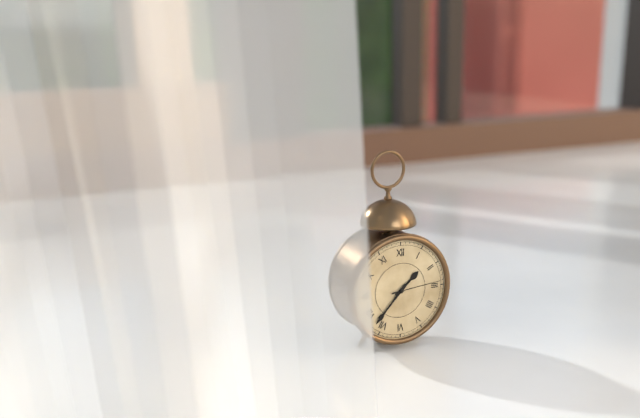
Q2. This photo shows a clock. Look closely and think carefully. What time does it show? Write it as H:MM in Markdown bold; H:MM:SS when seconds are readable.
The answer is **1:37:14**
